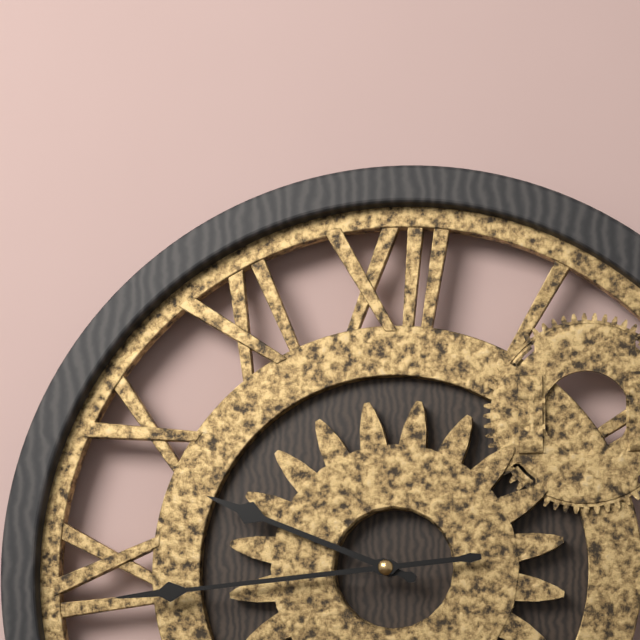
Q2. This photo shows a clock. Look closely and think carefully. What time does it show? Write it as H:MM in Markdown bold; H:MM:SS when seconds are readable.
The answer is **9:44**
